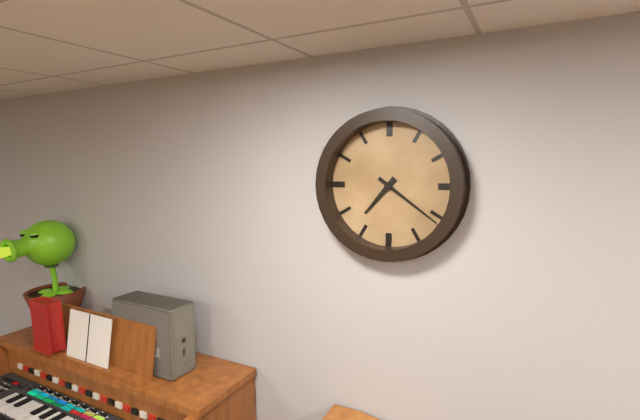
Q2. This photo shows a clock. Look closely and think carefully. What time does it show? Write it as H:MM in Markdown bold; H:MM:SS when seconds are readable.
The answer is **7:21**
